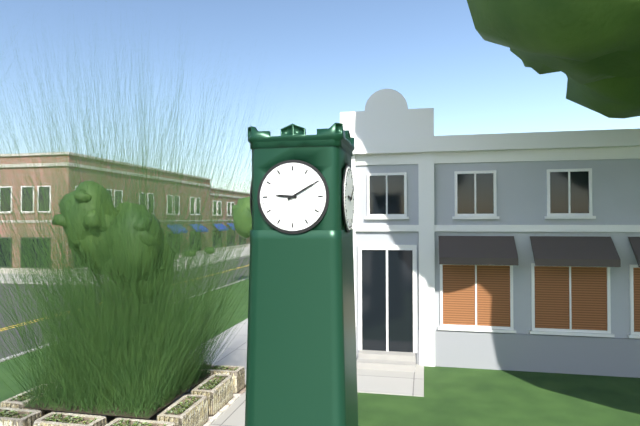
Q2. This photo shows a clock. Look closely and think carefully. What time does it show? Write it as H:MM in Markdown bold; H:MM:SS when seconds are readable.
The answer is **9:10**
